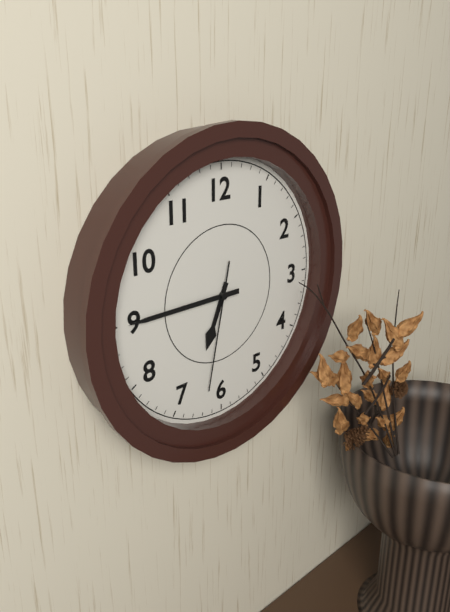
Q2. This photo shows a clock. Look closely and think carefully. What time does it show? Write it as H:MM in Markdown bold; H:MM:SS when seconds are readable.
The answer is **6:45:32**
